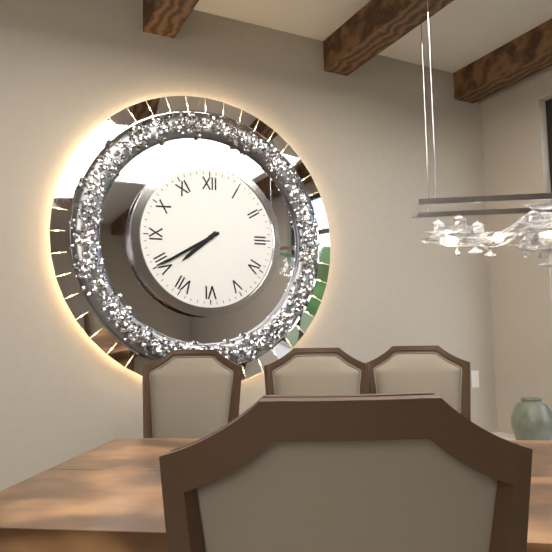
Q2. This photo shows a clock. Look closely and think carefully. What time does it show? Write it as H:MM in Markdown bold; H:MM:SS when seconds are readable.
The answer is **7:40**
